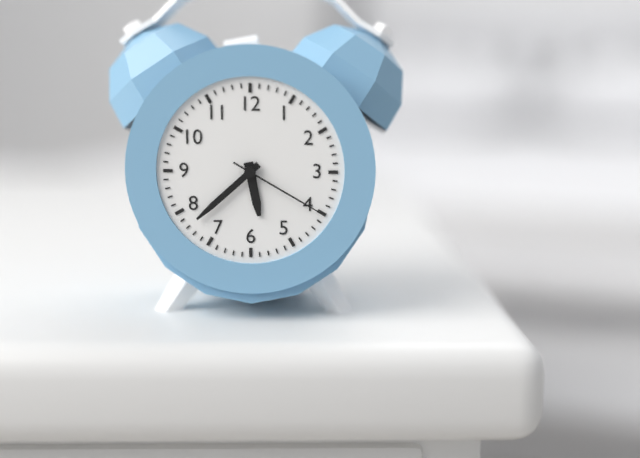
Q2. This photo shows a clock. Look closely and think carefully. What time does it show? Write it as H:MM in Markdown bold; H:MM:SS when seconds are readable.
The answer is **5:38:20**
